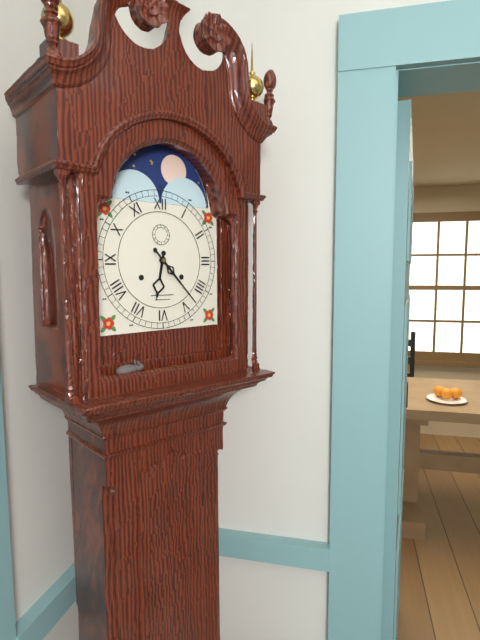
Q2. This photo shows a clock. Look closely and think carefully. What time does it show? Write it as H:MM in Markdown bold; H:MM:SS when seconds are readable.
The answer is **6:23**
